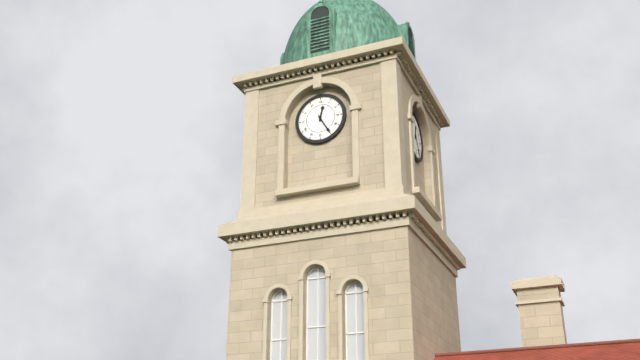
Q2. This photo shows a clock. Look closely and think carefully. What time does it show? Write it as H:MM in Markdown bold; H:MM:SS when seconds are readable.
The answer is **12:25**
